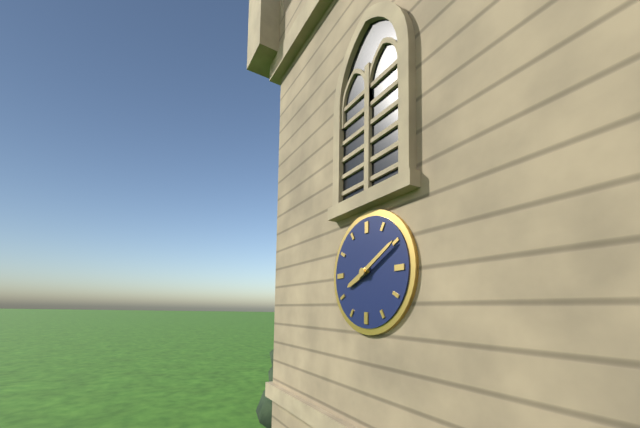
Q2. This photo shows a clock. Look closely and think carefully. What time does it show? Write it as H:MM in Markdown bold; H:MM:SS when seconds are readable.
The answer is **8:10**
